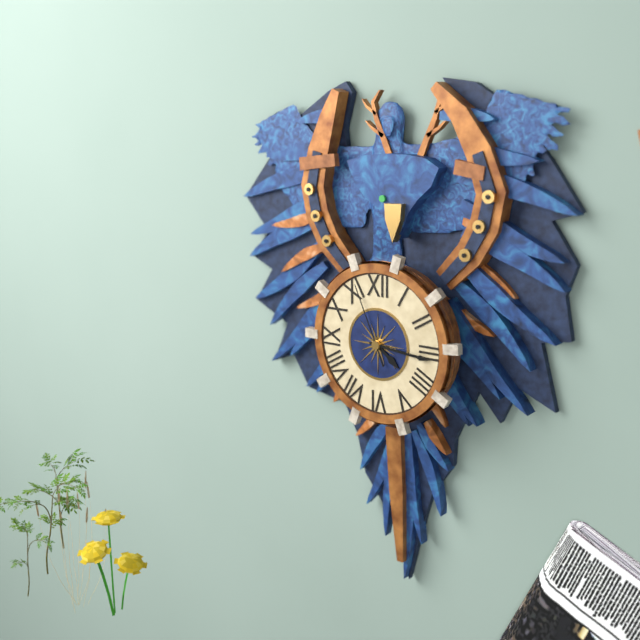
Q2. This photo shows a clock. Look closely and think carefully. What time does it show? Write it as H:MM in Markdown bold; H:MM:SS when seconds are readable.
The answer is **4:16:56**
